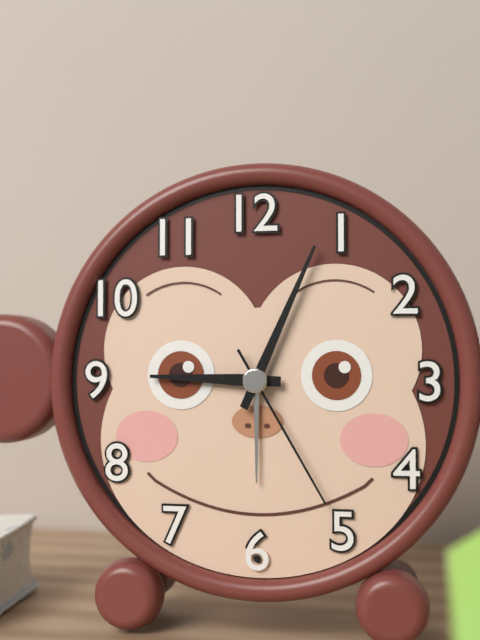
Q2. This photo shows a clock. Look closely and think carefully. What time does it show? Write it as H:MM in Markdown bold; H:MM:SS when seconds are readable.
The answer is **9:04:25**
